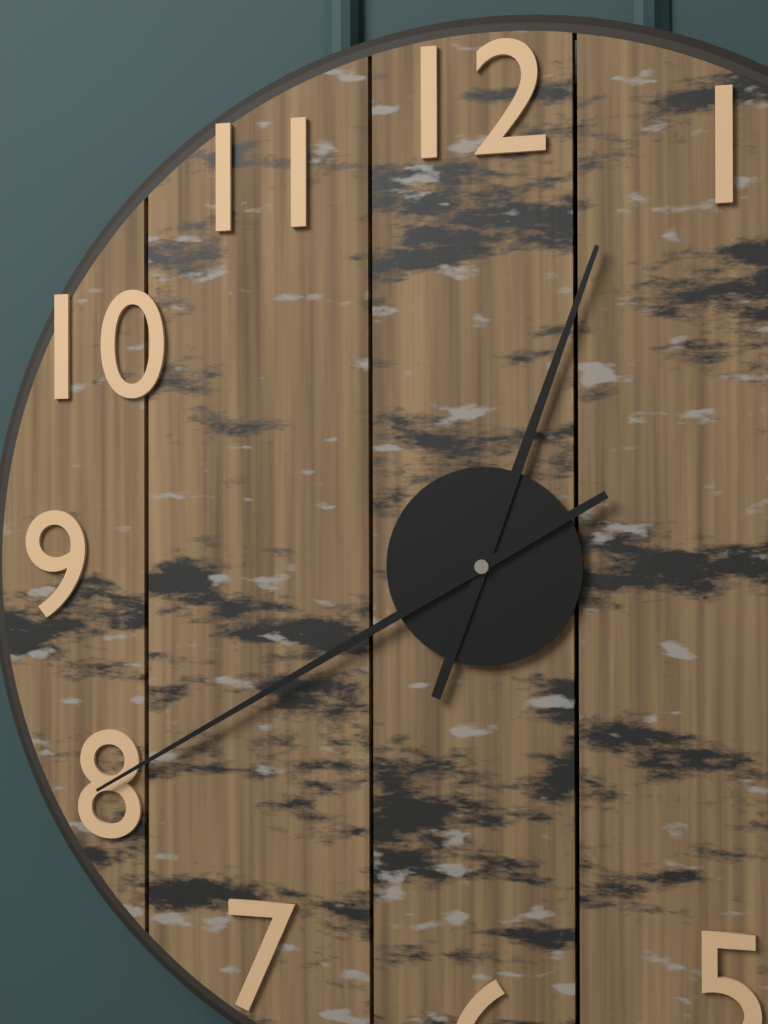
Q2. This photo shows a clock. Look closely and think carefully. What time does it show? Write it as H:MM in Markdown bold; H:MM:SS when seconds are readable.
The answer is **12:40**
